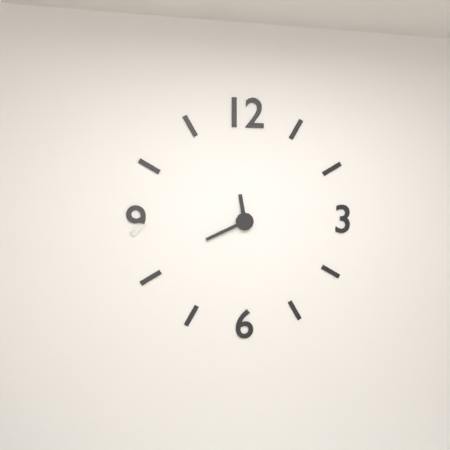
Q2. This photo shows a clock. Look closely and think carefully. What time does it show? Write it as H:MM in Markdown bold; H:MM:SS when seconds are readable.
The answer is **11:41**
